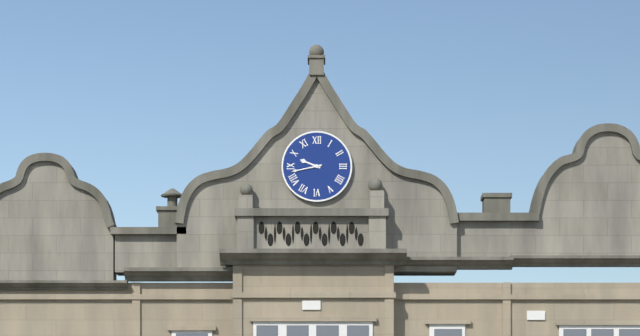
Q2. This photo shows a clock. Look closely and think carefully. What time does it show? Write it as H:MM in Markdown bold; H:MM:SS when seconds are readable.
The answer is **9:43**
